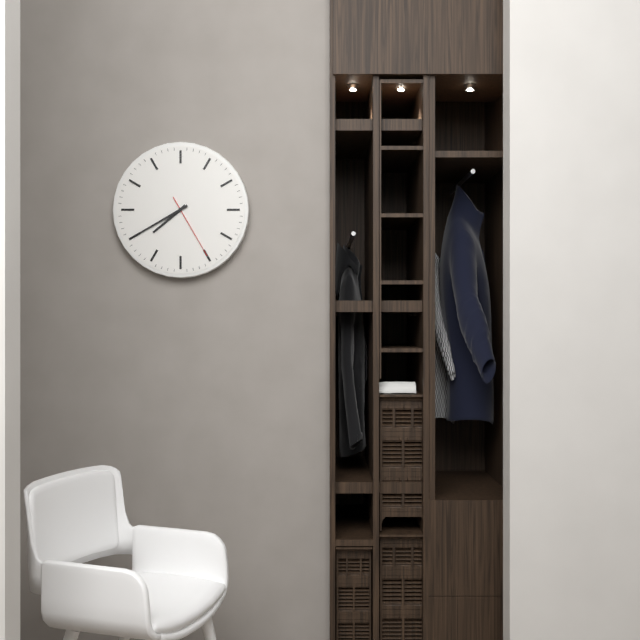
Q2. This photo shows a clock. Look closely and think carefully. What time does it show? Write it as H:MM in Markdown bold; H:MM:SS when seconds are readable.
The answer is **7:40:25**
